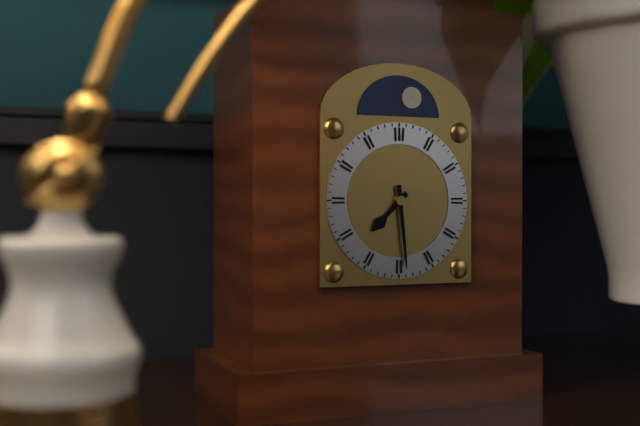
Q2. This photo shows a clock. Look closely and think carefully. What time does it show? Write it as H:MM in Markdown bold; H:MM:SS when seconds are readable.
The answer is **7:29**
